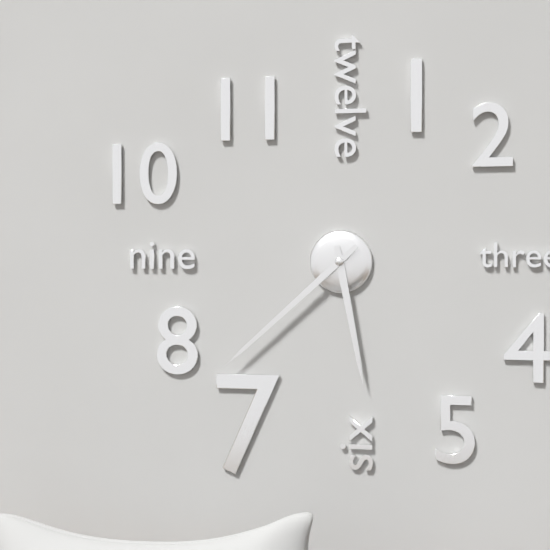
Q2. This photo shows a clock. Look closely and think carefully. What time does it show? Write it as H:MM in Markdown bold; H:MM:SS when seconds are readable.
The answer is **5:38**
